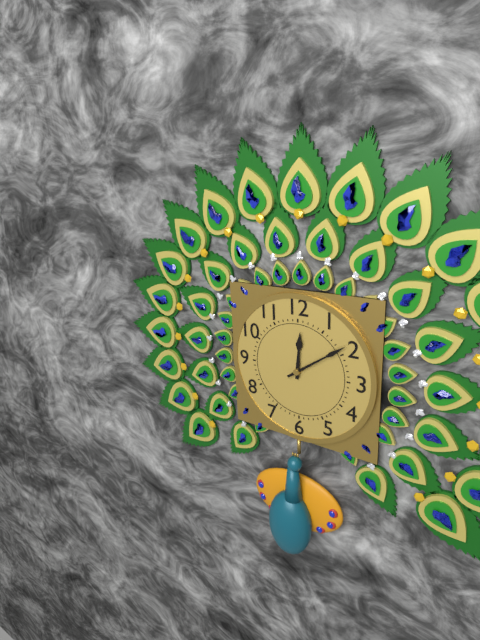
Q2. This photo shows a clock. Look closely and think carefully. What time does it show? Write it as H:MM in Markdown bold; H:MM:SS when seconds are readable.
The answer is **12:09**
